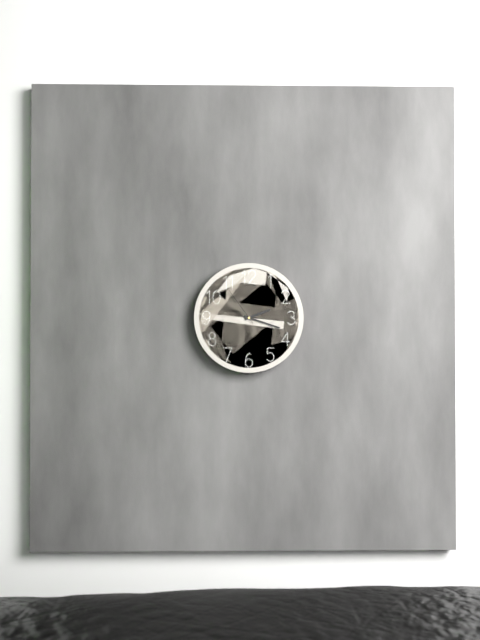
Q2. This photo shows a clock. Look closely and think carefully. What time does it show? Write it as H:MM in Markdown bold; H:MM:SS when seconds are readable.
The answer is **2:18**
